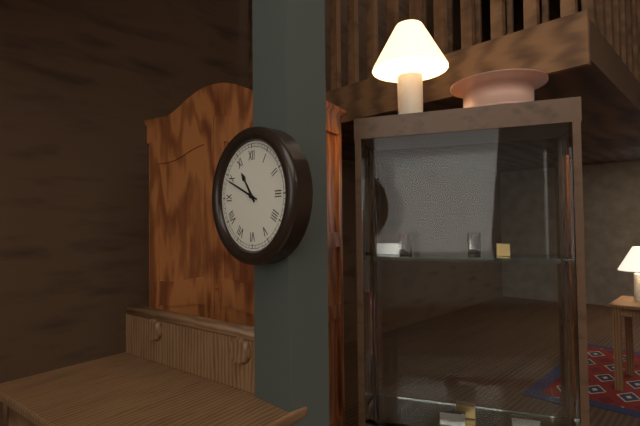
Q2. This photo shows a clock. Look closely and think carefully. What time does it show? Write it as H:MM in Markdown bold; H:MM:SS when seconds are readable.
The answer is **10:49**
